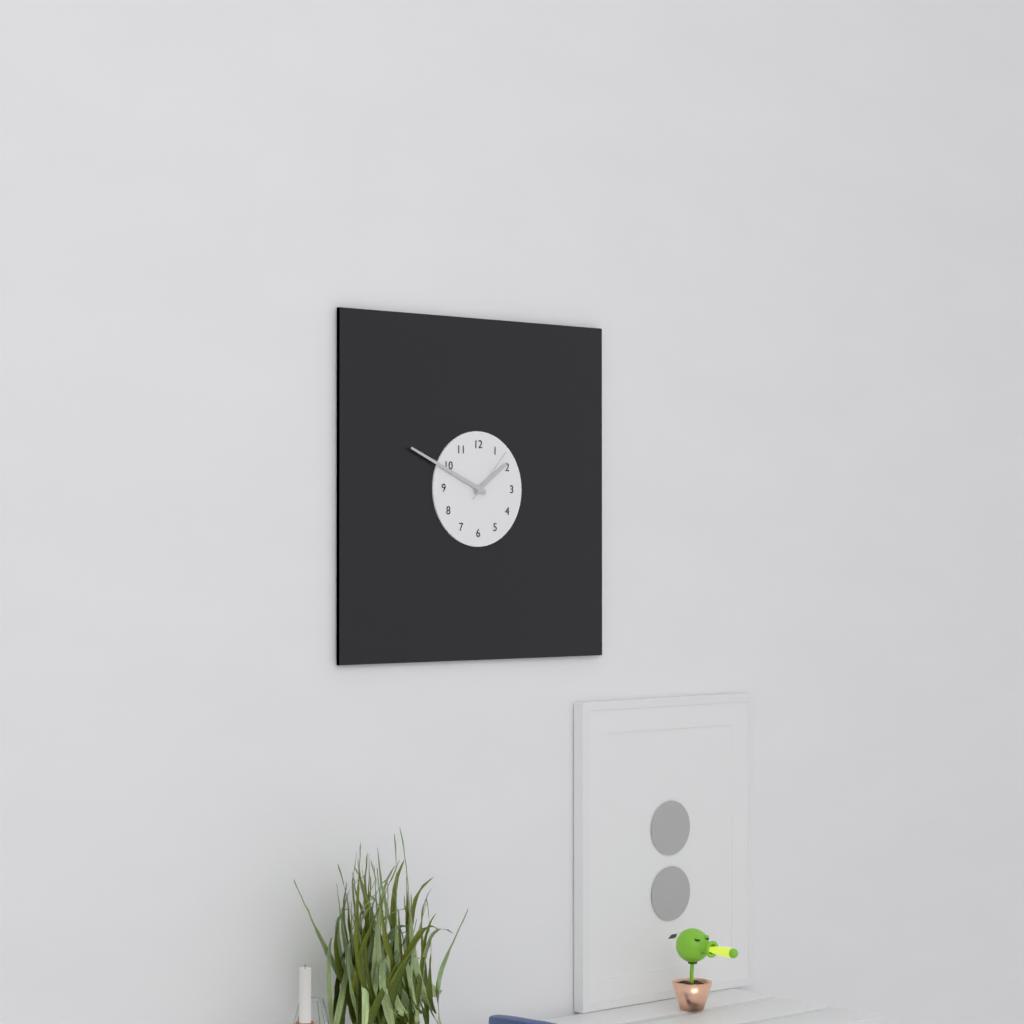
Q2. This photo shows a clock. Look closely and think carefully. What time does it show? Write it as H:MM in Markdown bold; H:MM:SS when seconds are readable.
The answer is **1:49:07**
